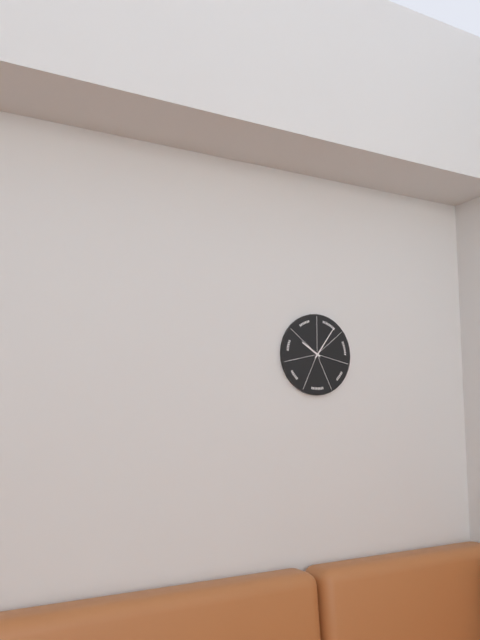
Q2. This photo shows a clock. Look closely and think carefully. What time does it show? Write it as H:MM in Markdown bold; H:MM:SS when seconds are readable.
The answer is **10:06**
